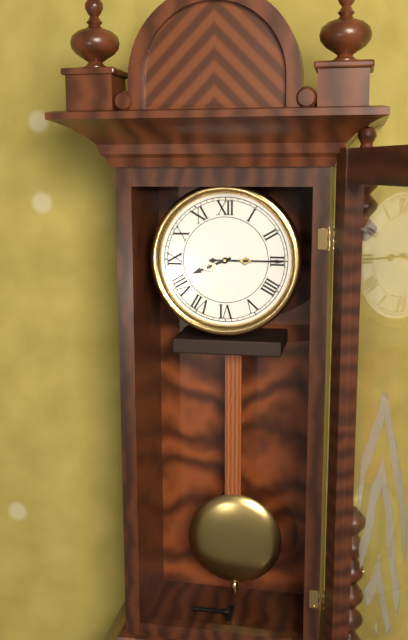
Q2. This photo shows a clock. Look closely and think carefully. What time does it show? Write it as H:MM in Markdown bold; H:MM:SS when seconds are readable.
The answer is **8:15**
